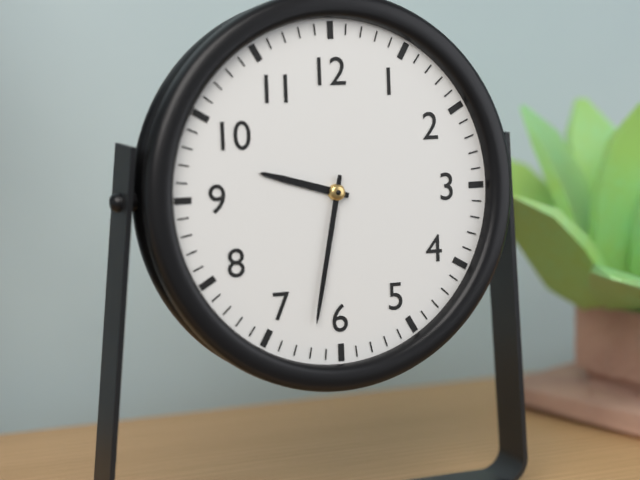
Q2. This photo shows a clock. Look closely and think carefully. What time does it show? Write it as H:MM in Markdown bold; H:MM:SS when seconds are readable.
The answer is **9:32**
